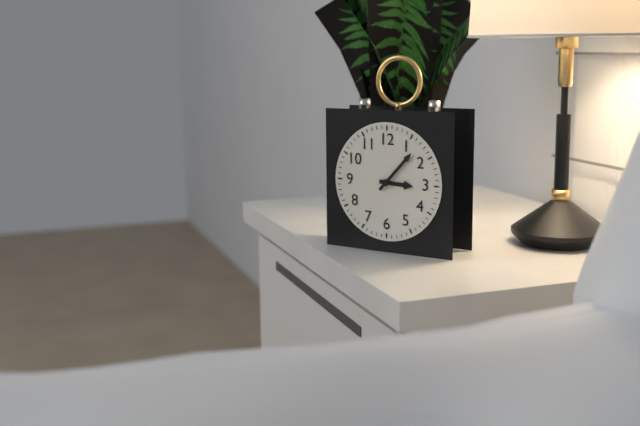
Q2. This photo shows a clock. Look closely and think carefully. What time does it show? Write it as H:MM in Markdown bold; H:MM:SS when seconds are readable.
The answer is **3:07**
